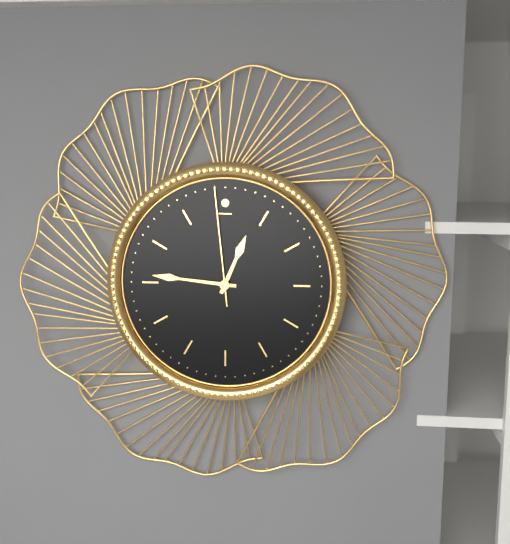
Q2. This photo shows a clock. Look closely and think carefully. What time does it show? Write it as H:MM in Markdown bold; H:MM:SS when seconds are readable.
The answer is **12:46:59**
